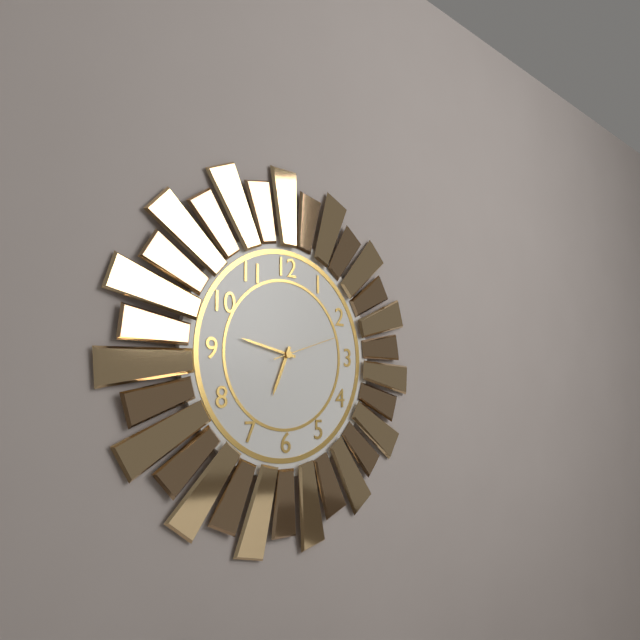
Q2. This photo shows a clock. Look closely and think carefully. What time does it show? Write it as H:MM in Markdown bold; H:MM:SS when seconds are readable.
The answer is **6:47:12**
